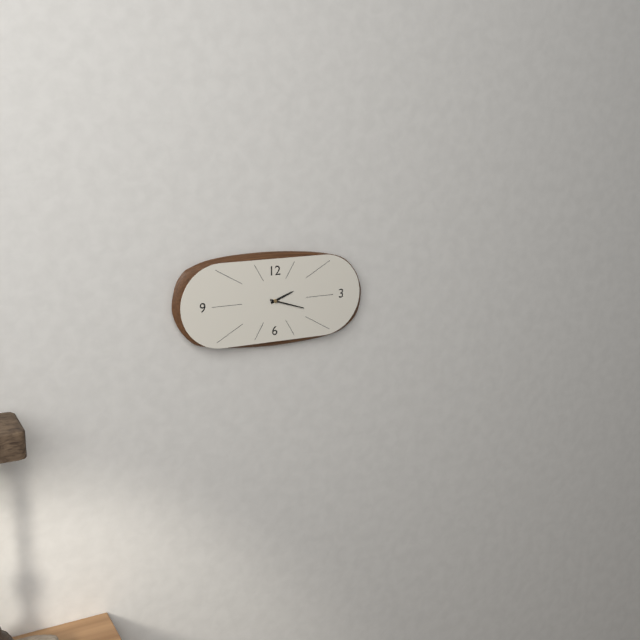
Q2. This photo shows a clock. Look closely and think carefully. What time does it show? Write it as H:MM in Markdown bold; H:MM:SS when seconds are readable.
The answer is **2:18**
